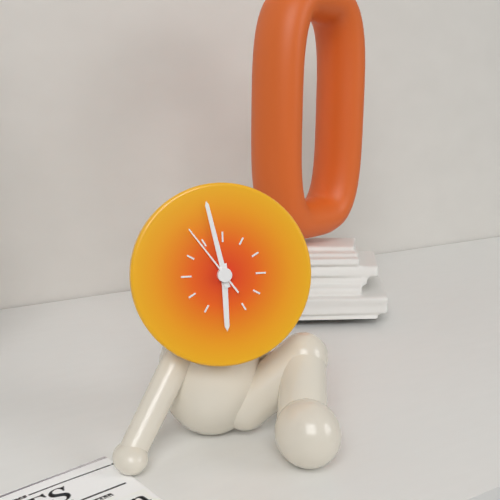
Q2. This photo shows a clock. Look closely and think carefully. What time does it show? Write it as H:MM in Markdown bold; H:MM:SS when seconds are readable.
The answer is **5:58:54**
